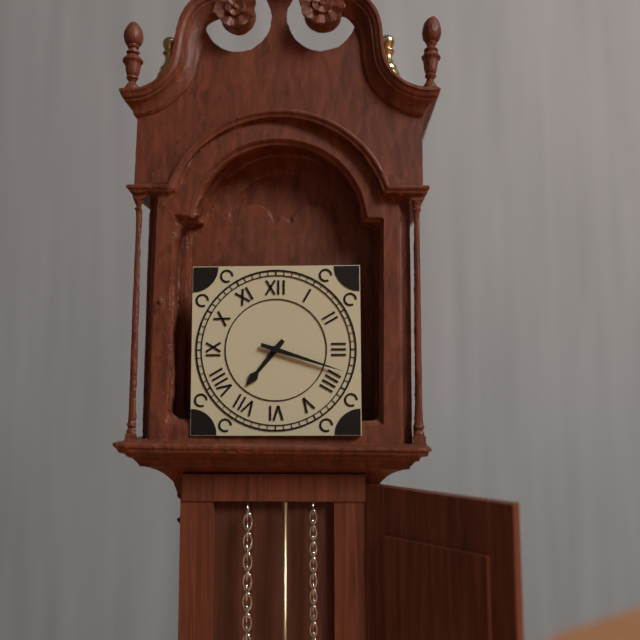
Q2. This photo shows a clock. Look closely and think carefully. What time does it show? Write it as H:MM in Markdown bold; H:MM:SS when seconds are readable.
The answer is **7:18**
